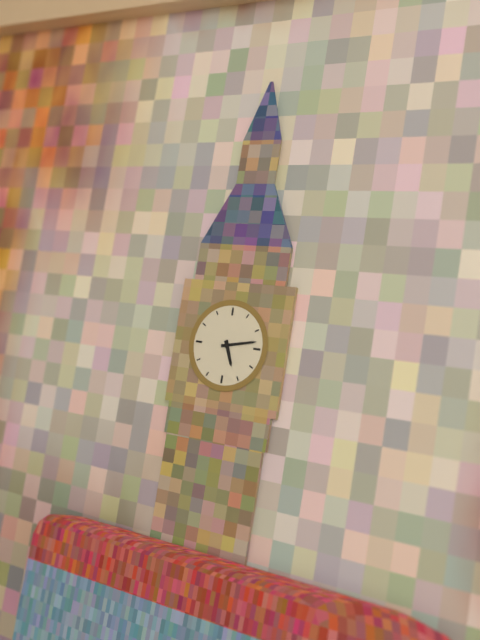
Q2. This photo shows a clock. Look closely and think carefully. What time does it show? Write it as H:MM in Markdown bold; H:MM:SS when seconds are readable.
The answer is **5:13**
